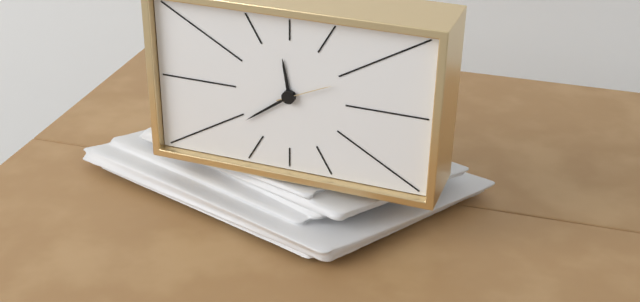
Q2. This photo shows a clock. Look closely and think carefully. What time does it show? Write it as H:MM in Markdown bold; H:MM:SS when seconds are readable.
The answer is **11:39:11**
